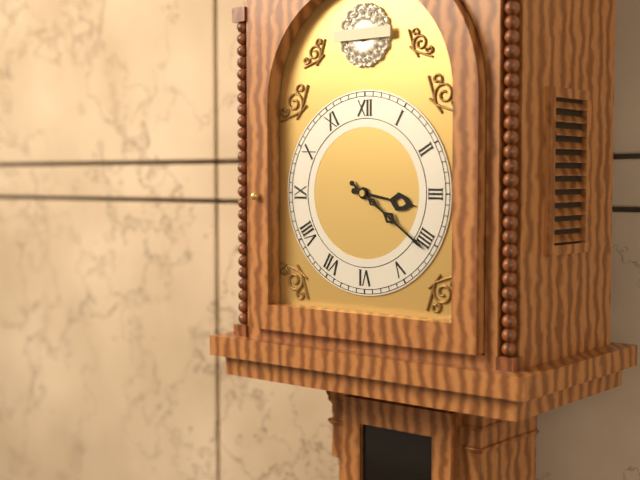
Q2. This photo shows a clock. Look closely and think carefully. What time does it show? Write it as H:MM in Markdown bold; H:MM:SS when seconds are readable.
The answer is **3:21**
